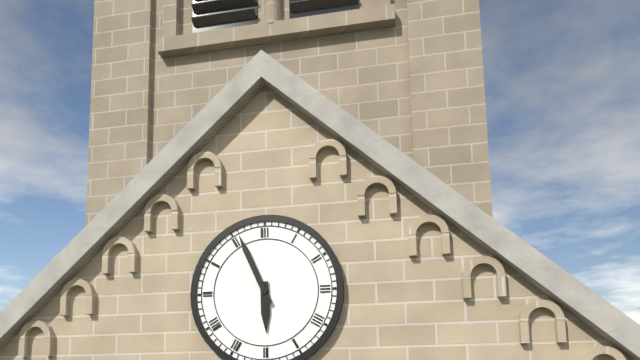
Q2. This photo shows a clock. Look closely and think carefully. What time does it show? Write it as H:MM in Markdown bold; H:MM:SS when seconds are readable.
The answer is **5:56**
